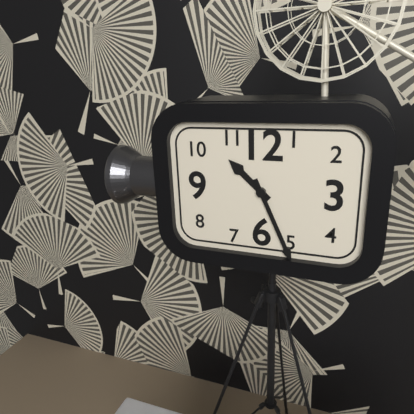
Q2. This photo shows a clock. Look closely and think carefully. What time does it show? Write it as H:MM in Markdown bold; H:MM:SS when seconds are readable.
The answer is **10:26**
